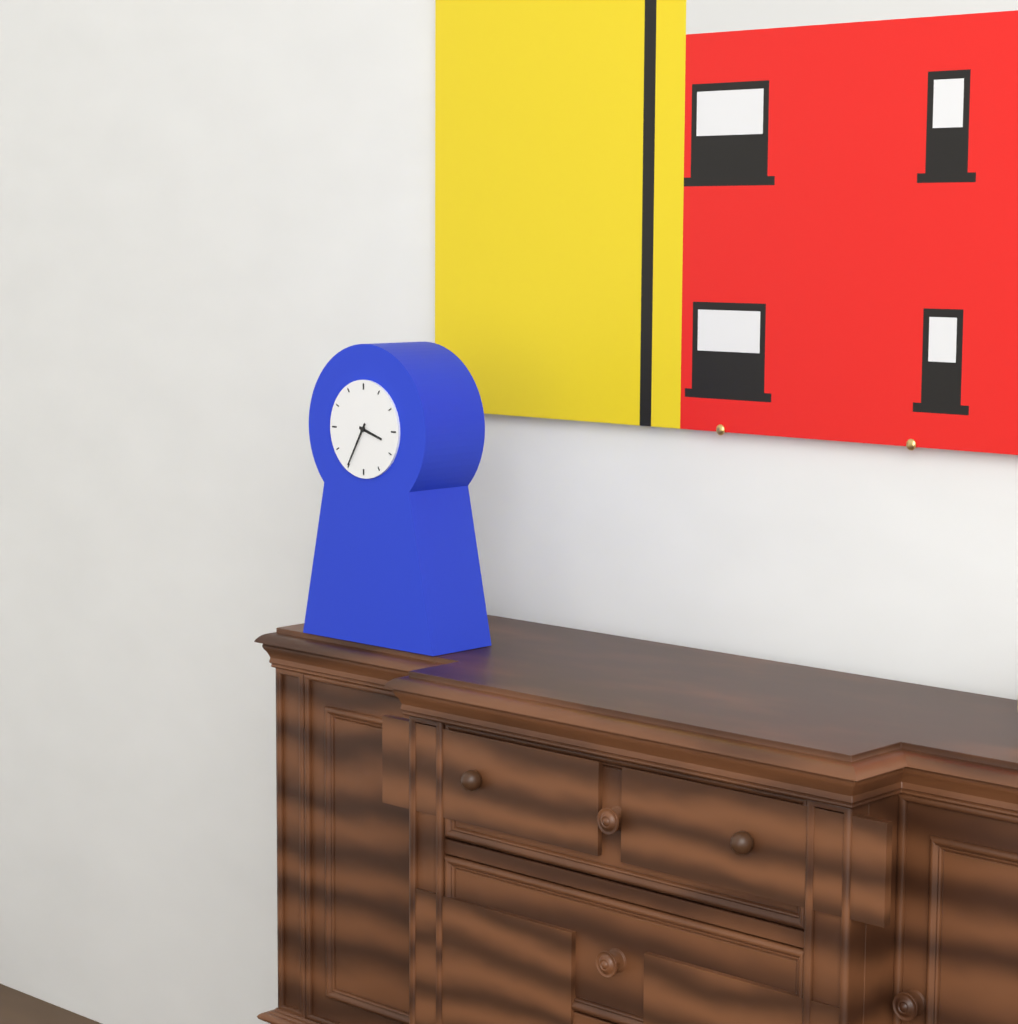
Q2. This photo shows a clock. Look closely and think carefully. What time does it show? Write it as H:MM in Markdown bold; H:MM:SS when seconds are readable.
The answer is **3:35**
